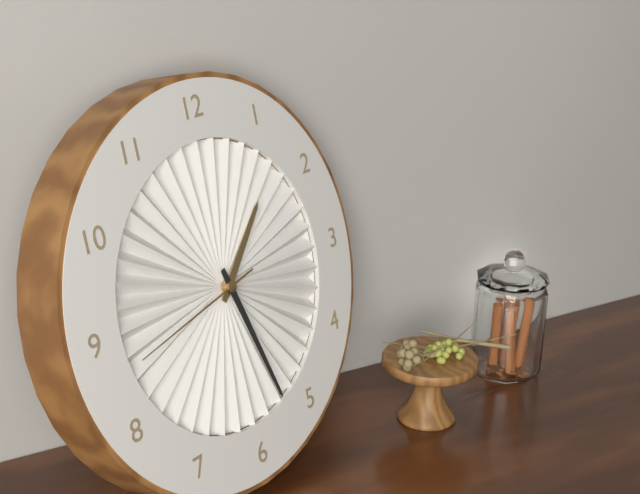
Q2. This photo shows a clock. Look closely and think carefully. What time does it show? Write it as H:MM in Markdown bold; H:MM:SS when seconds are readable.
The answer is **1:27:43**
